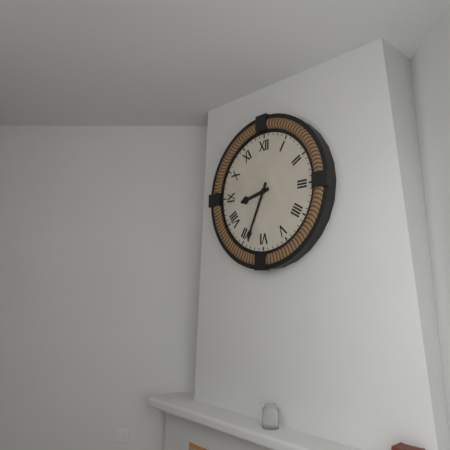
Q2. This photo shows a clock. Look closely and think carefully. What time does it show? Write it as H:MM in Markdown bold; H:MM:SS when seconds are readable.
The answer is **8:34**
